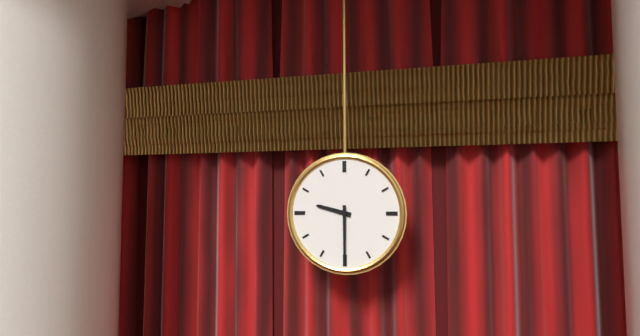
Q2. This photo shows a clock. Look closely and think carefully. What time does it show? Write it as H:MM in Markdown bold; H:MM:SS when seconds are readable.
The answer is **9:30**
